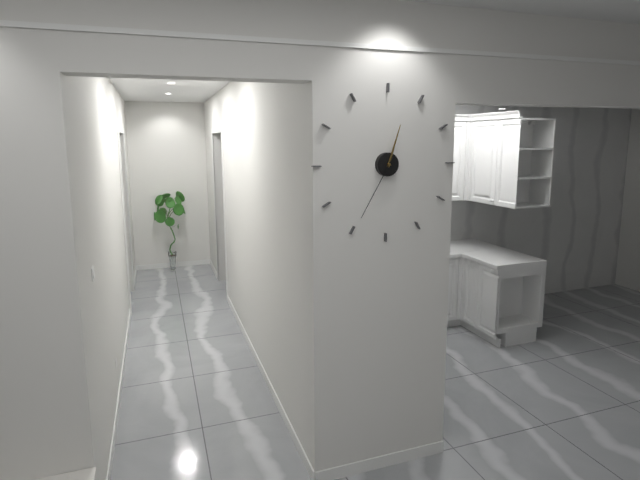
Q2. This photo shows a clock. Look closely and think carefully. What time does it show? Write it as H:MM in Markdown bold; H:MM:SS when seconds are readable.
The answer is **12:35**
